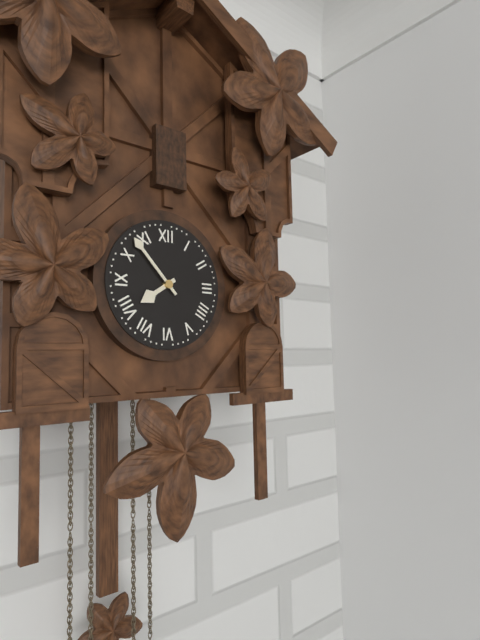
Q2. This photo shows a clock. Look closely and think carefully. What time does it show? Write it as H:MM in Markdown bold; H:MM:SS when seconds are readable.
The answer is **7:53**
